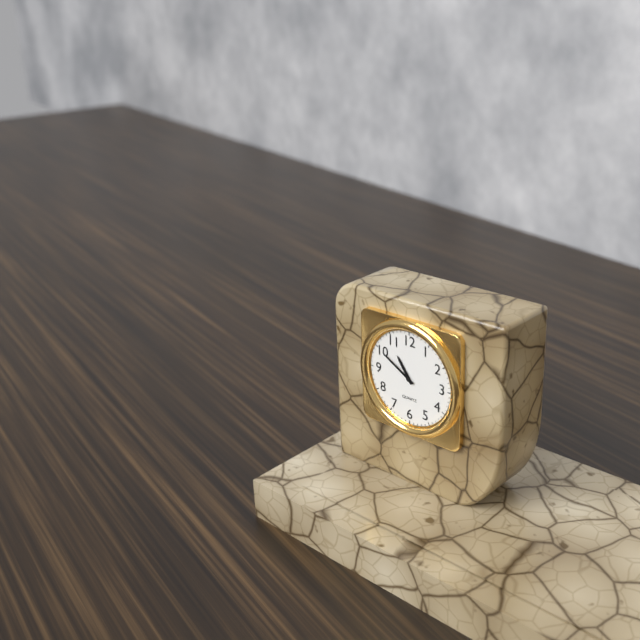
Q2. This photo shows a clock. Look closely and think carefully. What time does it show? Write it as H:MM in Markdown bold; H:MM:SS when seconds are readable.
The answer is **10:50**
